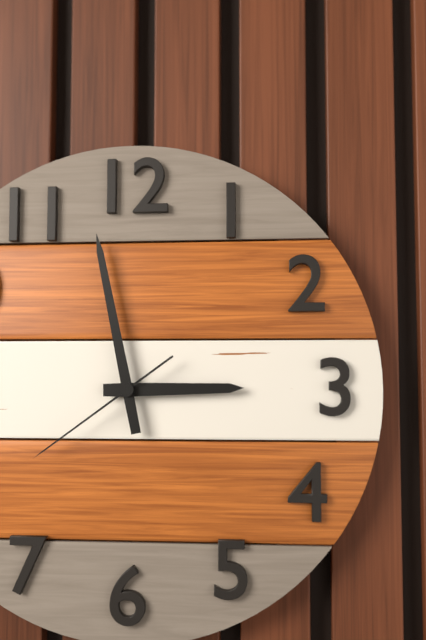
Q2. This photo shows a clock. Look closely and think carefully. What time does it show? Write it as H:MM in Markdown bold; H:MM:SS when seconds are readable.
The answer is **2:58:39**
